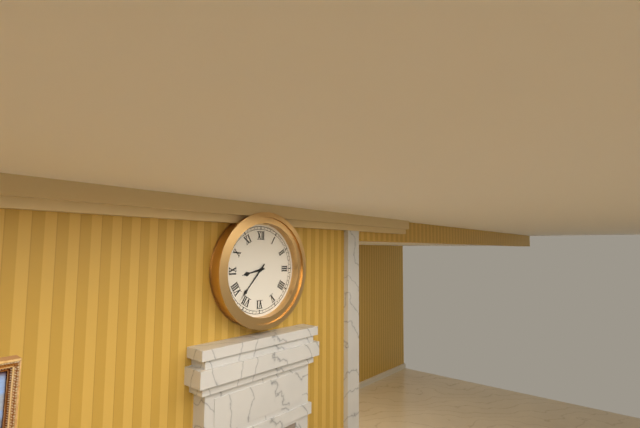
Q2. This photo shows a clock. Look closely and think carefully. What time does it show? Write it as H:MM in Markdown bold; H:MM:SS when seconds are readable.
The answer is **8:37**
